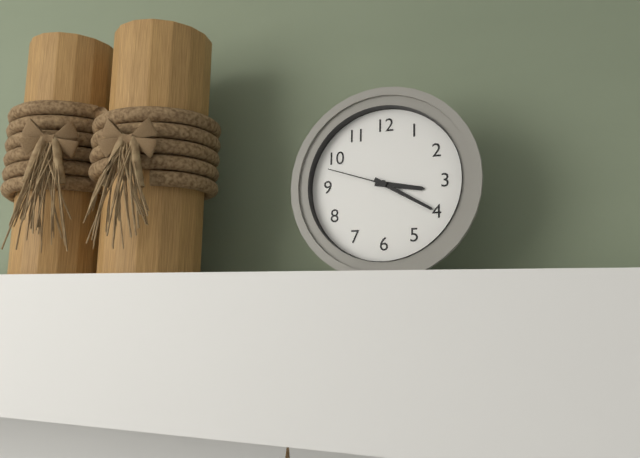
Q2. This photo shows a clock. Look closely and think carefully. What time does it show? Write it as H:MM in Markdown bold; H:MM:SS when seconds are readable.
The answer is **3:20:48**
